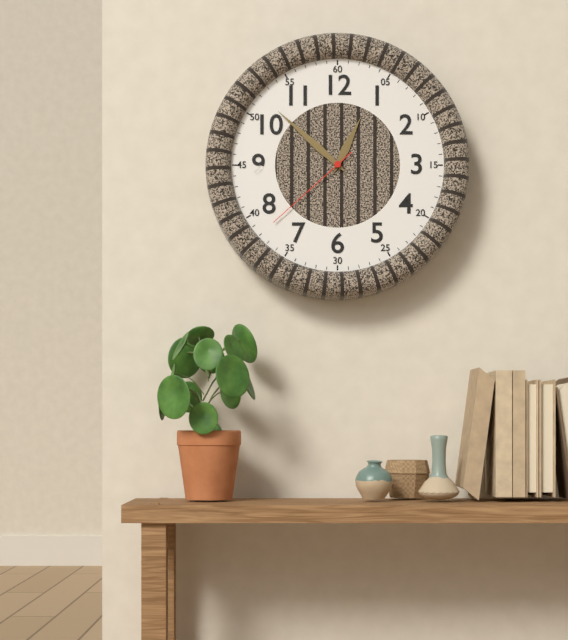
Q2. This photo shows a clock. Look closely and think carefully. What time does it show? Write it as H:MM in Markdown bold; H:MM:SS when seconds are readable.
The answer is **12:52:38**
